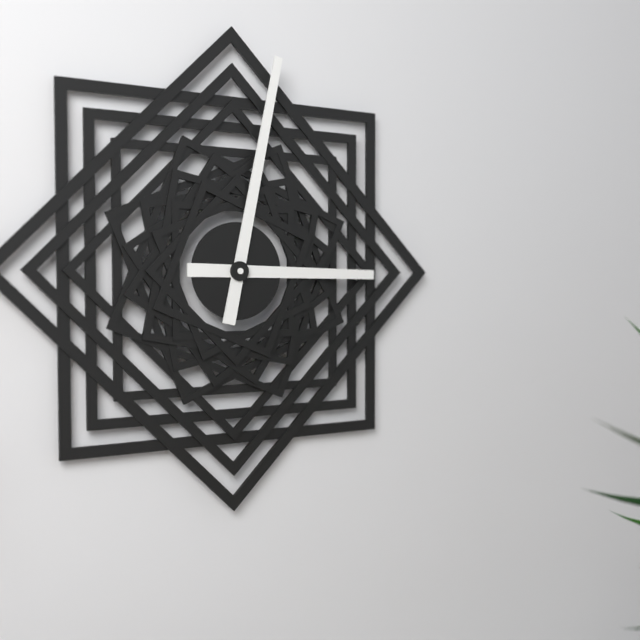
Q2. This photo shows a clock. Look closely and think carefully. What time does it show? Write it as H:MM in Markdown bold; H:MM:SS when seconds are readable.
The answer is **3:02**
